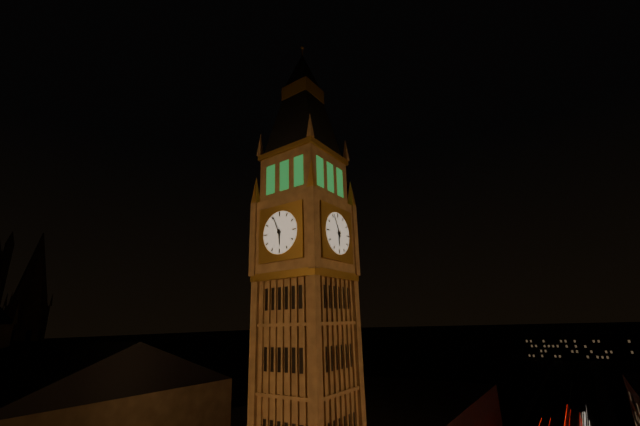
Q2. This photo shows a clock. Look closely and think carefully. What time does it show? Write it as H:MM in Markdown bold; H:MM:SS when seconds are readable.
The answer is **5:56**
